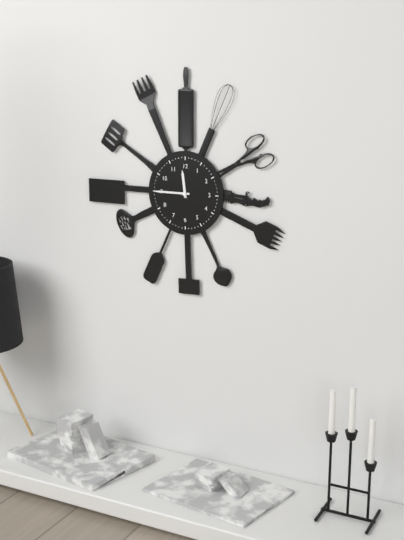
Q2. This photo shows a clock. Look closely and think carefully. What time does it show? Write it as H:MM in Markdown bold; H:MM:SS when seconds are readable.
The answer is **11:45**
